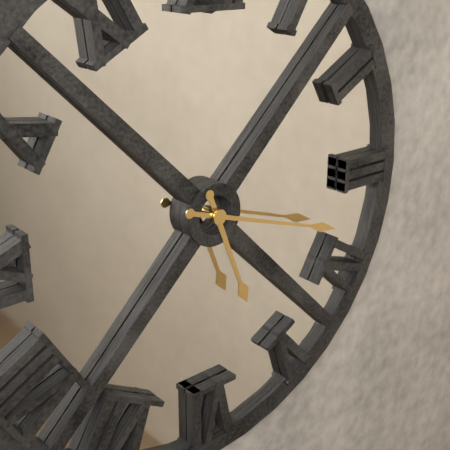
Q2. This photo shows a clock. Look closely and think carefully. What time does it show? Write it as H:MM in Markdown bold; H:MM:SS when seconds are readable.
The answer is **5:18**
